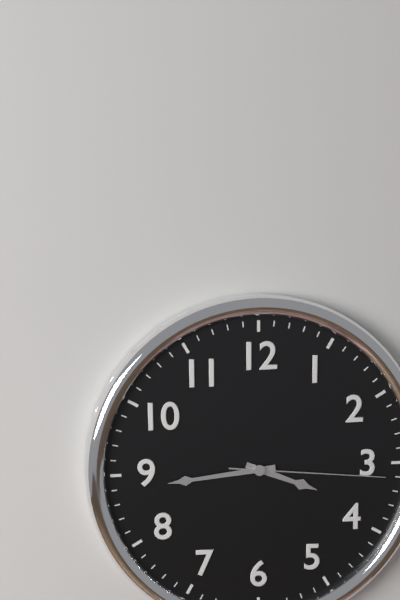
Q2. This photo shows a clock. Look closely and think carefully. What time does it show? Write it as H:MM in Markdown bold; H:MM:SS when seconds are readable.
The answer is **3:44:16**
